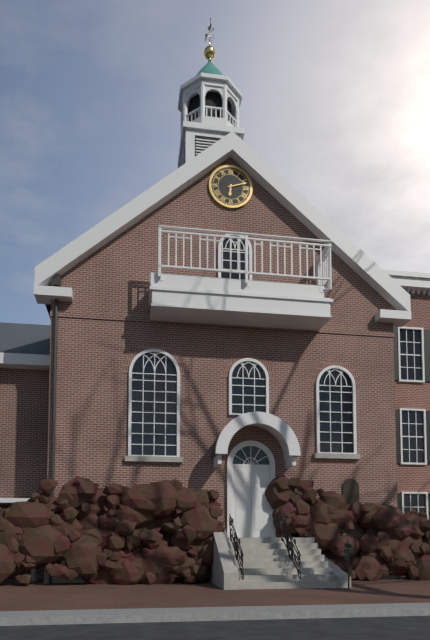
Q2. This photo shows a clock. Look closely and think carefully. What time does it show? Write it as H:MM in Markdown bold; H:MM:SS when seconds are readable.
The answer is **6:12**
